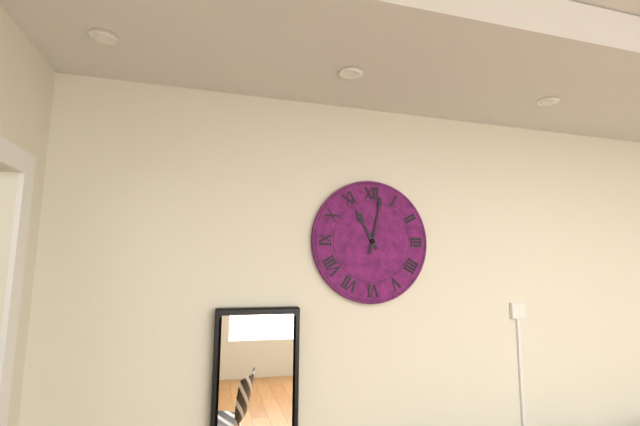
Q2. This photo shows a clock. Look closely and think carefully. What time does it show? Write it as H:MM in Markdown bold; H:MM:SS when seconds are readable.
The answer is **11:02**
